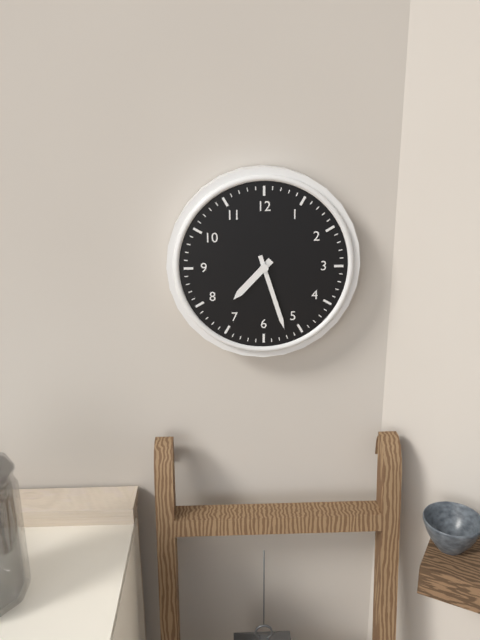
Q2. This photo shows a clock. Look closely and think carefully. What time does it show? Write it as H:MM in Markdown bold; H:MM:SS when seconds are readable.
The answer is **7:27**
